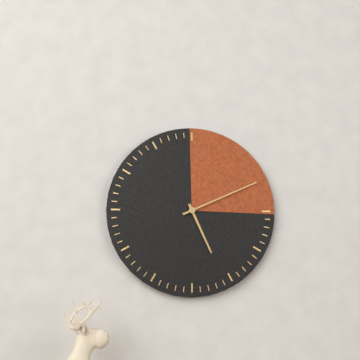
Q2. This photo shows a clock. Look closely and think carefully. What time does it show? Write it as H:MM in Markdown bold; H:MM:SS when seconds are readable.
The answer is **5:11**
